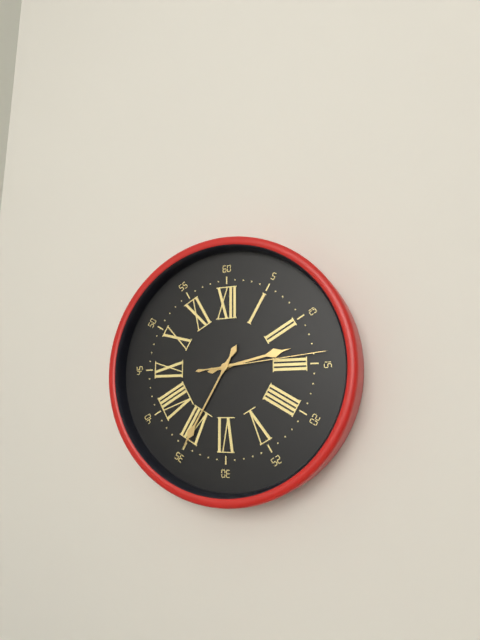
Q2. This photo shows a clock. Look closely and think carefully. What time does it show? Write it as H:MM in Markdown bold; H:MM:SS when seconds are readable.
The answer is **2:35:14**
